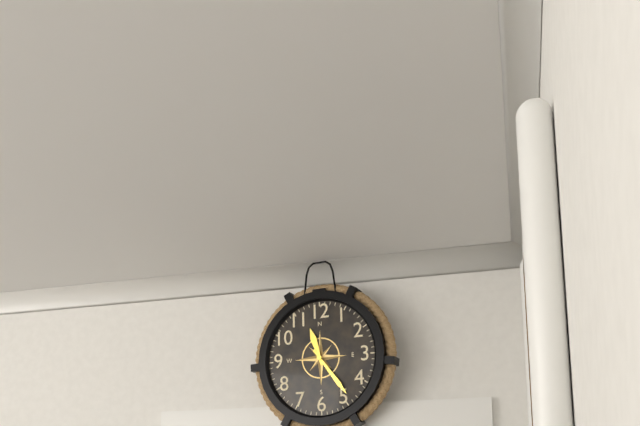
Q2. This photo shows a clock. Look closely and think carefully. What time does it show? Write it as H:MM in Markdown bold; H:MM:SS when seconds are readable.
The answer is **11:24**
